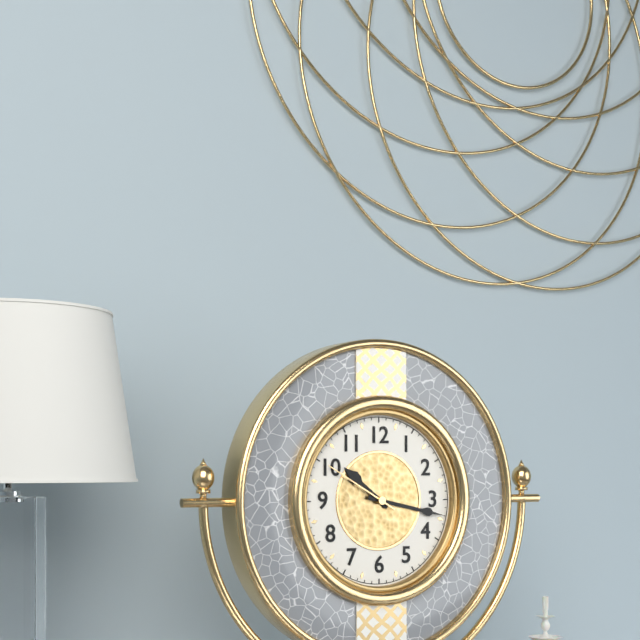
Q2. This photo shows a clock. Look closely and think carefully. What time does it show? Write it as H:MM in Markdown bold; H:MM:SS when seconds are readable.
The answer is **10:17:50**
